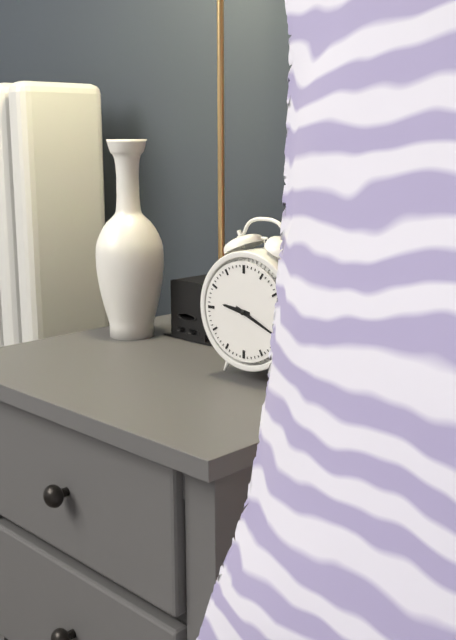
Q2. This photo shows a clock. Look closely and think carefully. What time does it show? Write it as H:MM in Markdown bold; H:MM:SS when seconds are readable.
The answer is **9:19**
